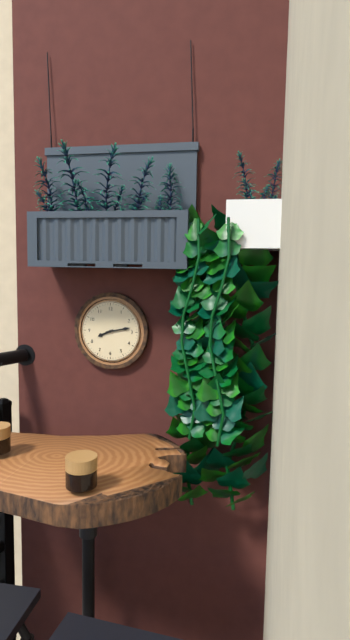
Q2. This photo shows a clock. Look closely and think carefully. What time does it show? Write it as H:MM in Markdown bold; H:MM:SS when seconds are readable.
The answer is **8:13**
